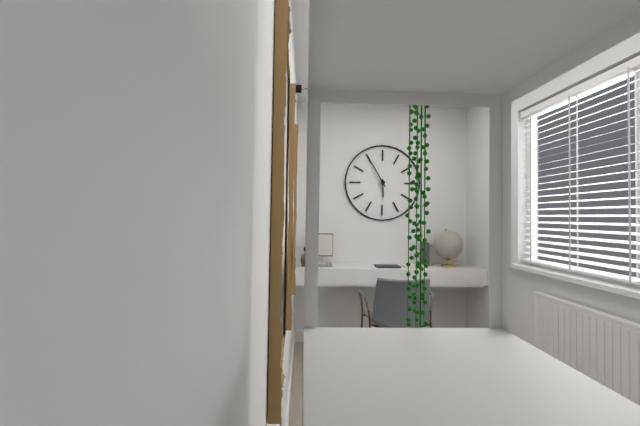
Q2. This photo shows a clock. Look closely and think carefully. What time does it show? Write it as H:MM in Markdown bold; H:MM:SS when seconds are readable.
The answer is **5:55**
